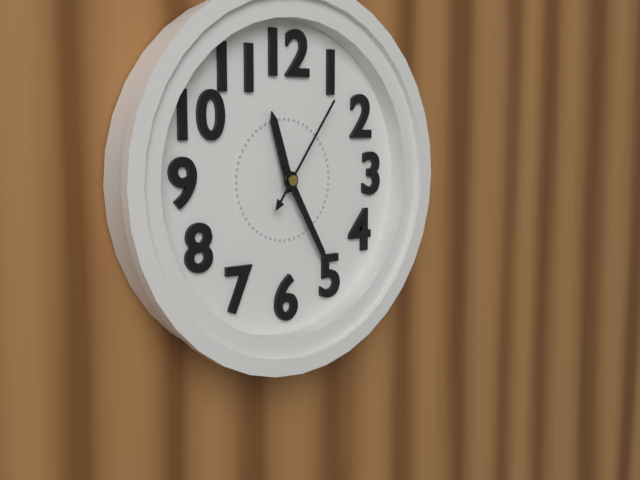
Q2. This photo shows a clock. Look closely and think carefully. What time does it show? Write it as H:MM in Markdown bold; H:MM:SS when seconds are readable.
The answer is **11:25:06**
